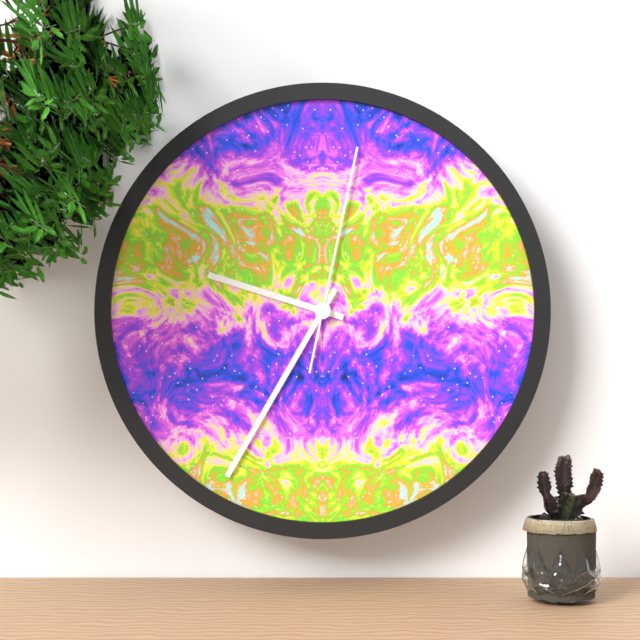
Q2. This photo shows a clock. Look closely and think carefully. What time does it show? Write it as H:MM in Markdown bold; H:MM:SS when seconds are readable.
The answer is **9:35:02**
